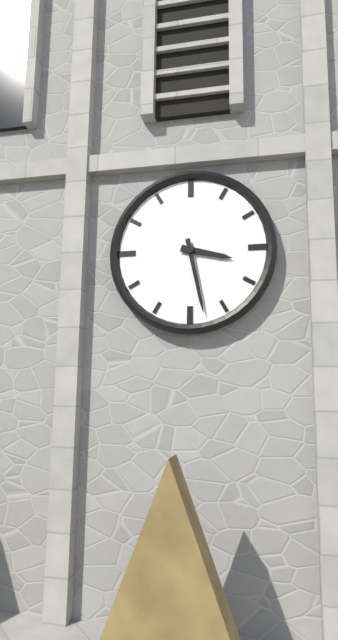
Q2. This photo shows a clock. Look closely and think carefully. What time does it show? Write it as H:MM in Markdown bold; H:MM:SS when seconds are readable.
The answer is **3:28**
